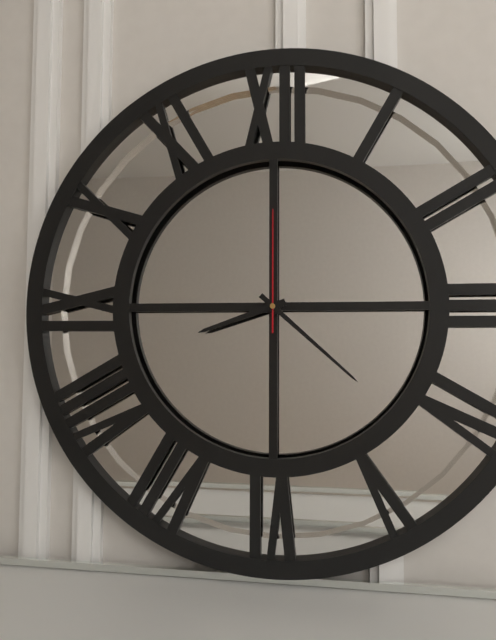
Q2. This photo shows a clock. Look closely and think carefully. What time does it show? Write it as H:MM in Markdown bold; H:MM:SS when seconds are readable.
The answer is **8:22:00**
